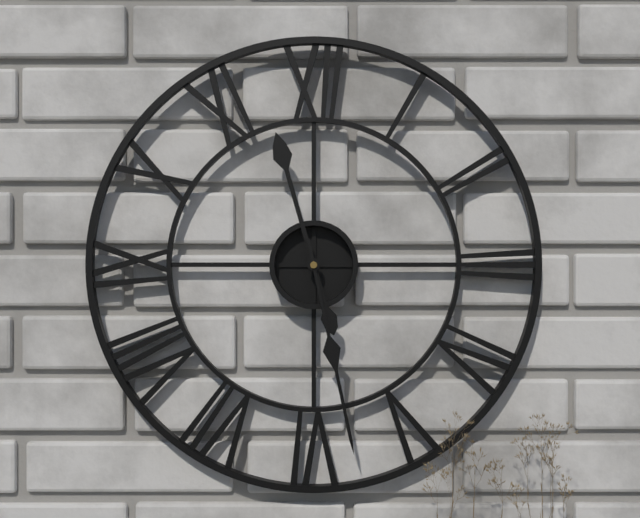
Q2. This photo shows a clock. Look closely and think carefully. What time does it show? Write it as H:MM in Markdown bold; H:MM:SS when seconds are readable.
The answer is **11:28**
